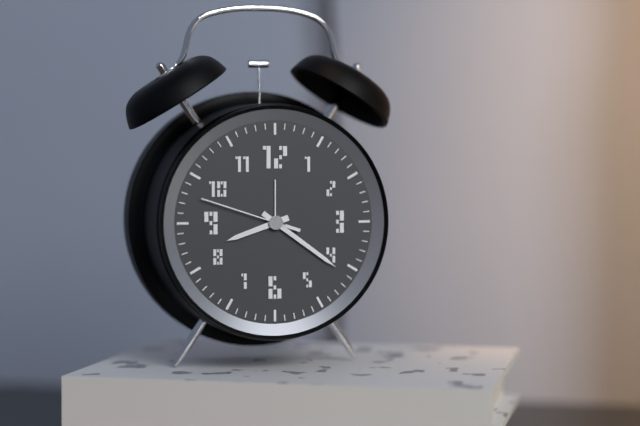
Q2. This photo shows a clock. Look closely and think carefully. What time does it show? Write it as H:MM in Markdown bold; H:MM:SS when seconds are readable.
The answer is **8:21:48**
